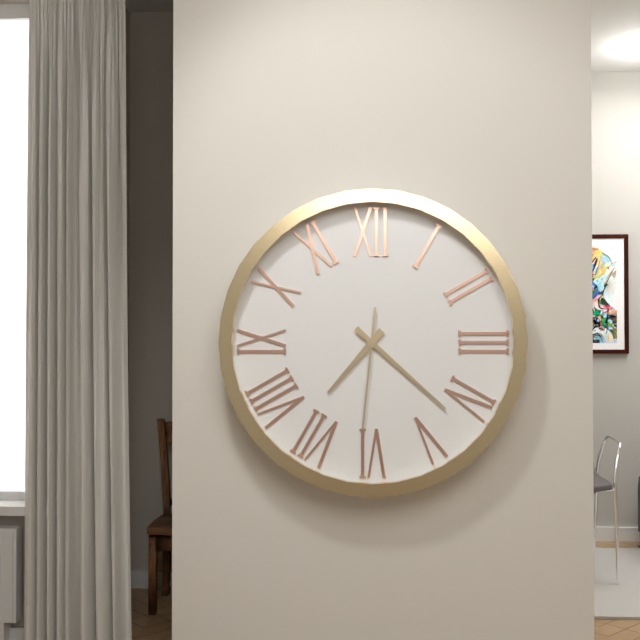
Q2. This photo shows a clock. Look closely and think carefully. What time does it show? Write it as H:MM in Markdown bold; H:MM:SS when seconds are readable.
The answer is **7:22:31**
